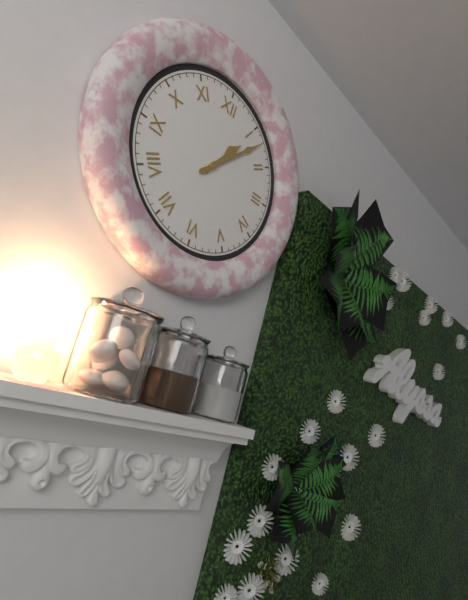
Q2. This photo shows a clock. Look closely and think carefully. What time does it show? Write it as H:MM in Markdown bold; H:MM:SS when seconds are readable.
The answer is **1:07**
